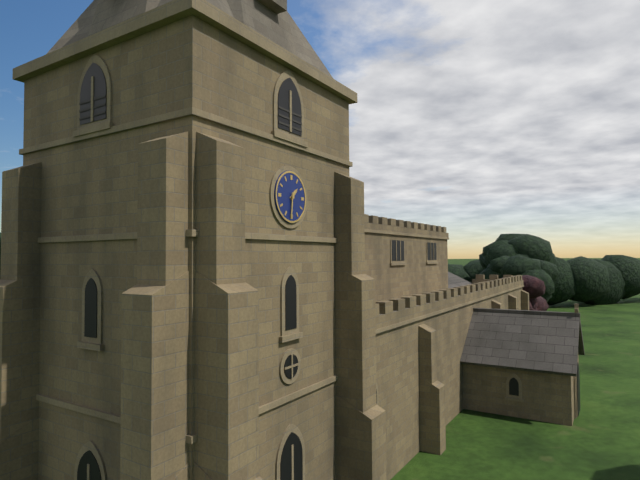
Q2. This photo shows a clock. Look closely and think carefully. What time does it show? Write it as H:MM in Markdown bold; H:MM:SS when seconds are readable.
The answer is **1:31**
